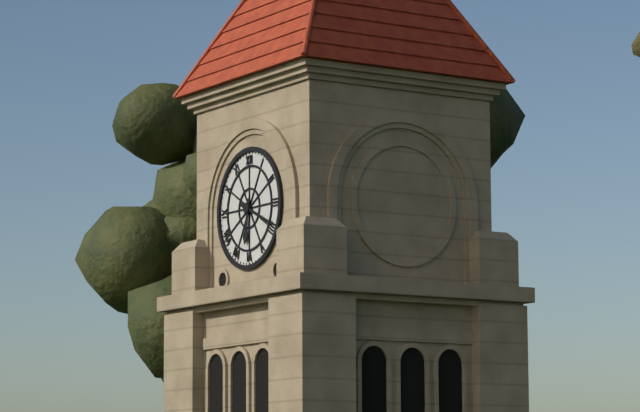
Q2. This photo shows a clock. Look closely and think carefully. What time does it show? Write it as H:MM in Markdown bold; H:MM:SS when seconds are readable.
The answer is **6:19**
